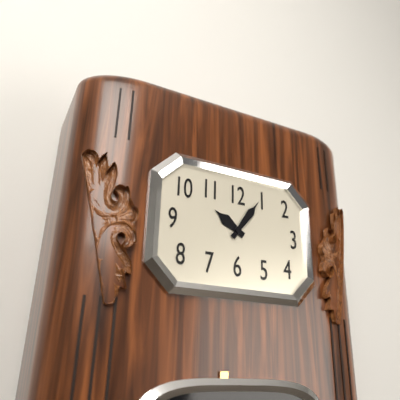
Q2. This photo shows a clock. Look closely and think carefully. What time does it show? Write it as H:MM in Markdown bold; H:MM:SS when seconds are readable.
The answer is **10:06**
